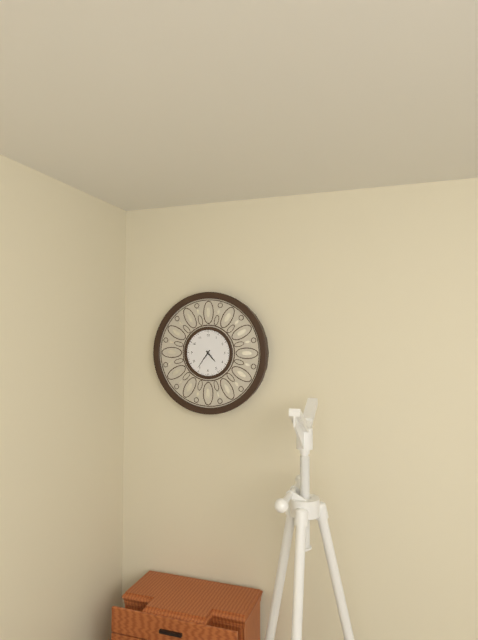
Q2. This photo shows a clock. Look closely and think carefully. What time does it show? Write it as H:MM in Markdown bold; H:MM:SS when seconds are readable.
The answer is **4:36**
